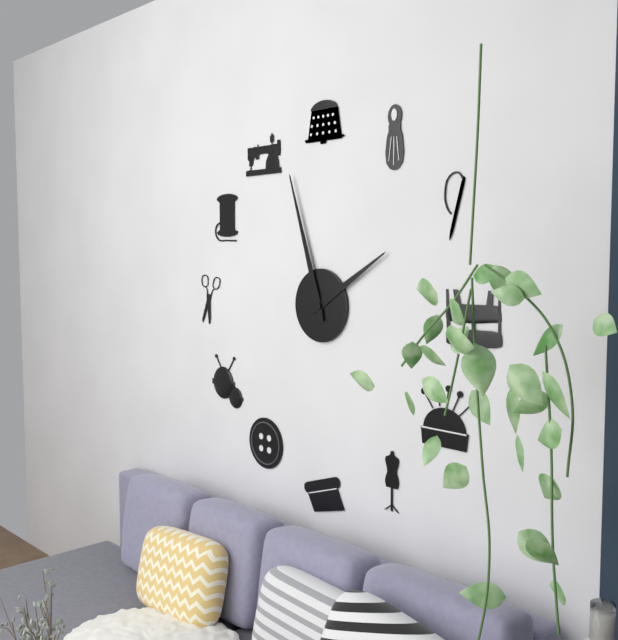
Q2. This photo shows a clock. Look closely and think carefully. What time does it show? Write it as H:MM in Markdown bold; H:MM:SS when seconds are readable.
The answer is **1:57**
